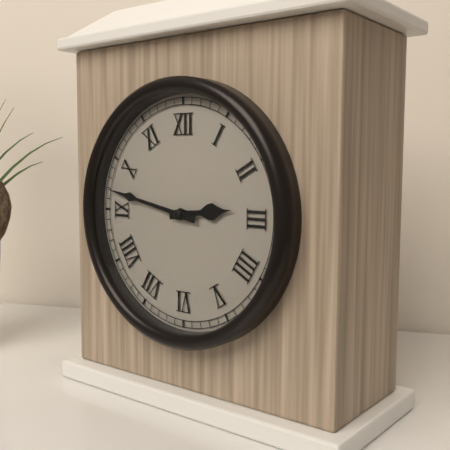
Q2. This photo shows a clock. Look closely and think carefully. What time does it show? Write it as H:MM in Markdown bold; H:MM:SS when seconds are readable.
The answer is **2:47**
